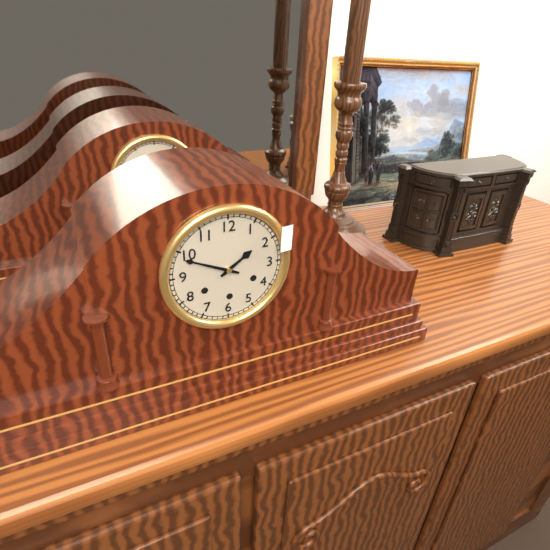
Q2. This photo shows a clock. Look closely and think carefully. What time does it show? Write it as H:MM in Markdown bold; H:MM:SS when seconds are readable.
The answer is **1:49**
